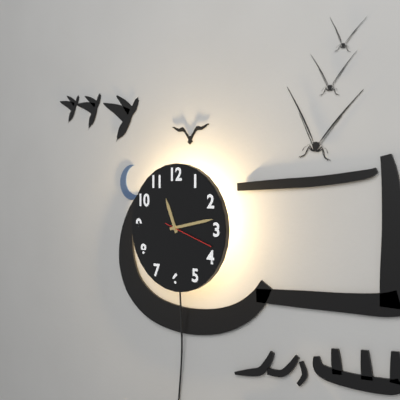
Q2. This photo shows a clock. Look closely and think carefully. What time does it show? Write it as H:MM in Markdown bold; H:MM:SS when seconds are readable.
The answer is **11:13**
